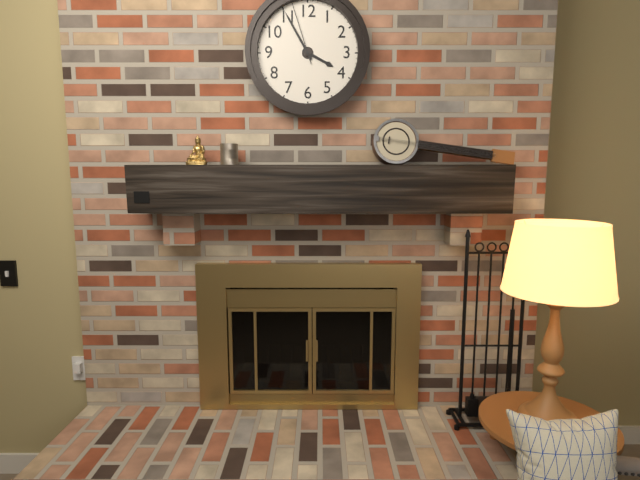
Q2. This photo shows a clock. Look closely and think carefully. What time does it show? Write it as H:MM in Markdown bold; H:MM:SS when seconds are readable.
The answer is **3:55:57**
